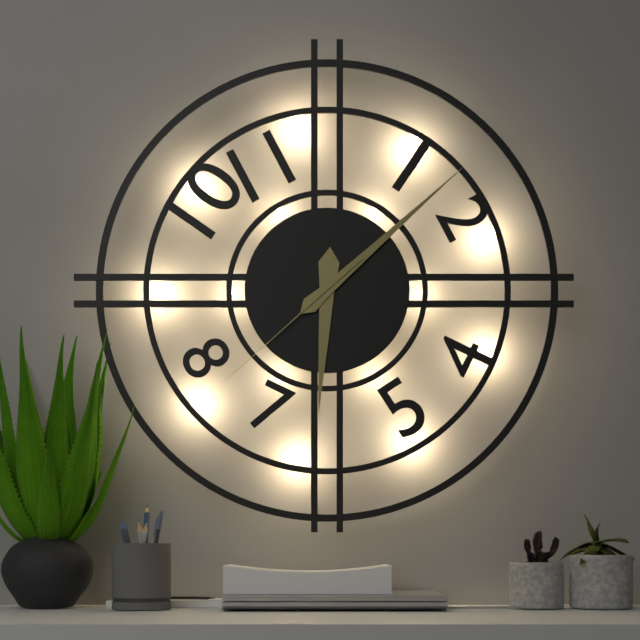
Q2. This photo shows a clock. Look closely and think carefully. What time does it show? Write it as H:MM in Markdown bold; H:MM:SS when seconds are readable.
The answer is **6:08:38**
